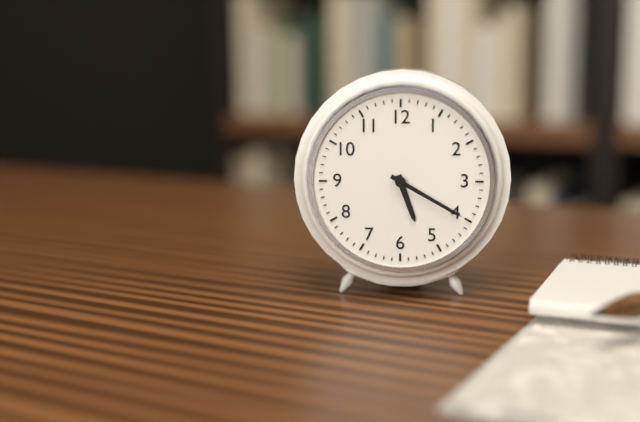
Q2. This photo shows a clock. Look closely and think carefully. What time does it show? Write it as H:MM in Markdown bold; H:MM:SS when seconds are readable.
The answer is **5:20**
